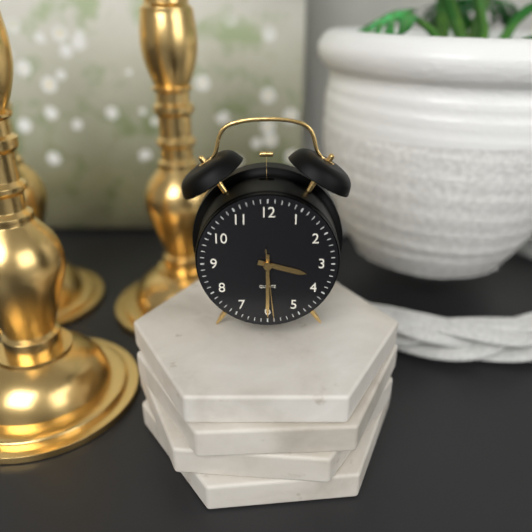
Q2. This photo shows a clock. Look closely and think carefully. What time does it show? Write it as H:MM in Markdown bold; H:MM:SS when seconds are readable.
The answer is **3:30:29**
